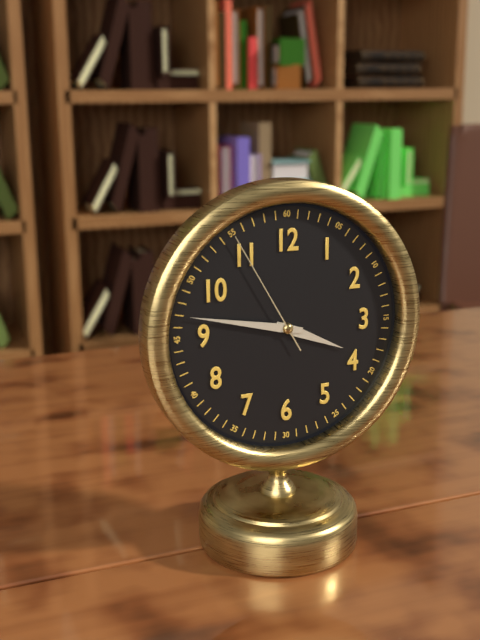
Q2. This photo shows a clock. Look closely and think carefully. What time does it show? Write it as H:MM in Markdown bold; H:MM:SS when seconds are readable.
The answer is **3:47:55**
